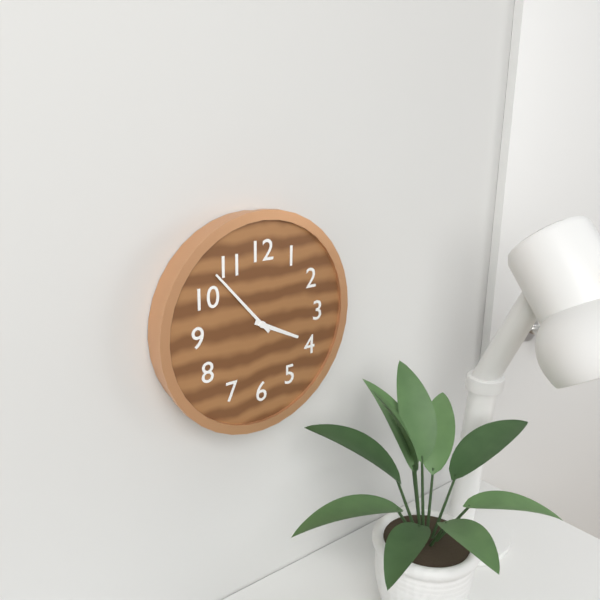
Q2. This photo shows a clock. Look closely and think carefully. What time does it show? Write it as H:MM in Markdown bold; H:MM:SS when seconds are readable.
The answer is **3:53**
